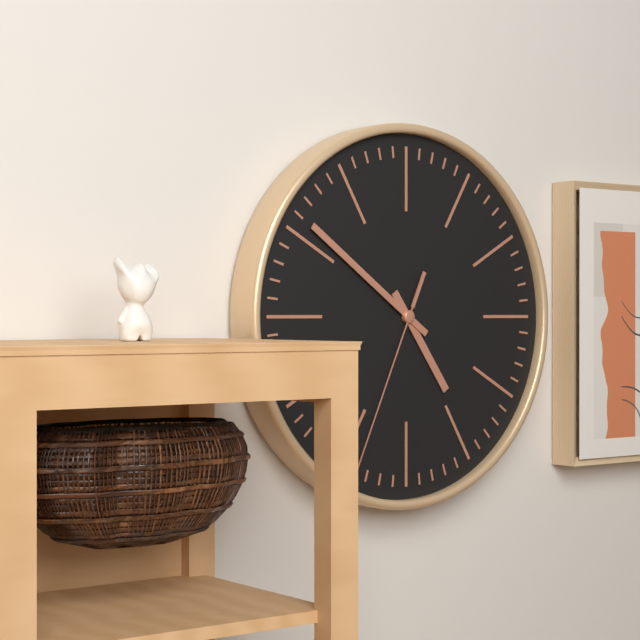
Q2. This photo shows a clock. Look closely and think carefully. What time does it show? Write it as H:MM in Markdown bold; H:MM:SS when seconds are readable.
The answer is **4:51:34**
